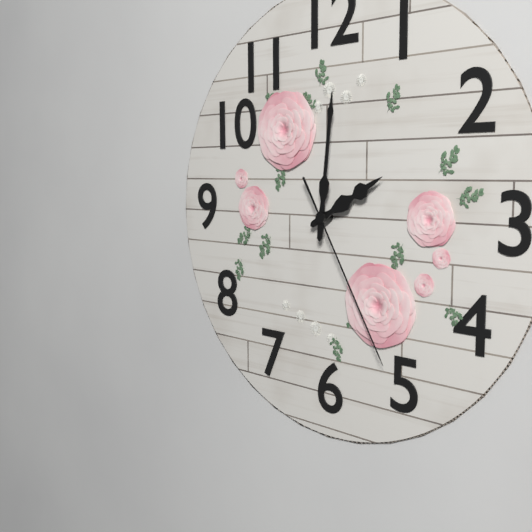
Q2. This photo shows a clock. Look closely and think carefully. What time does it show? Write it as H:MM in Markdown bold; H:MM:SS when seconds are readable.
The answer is **2:01:25**
